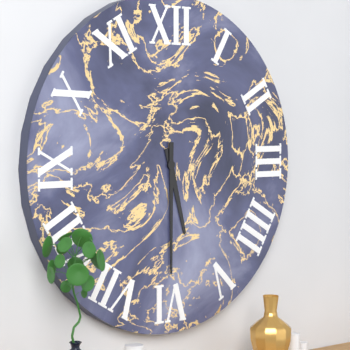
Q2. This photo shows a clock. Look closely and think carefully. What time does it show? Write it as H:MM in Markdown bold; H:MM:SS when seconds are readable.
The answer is **5:30**
